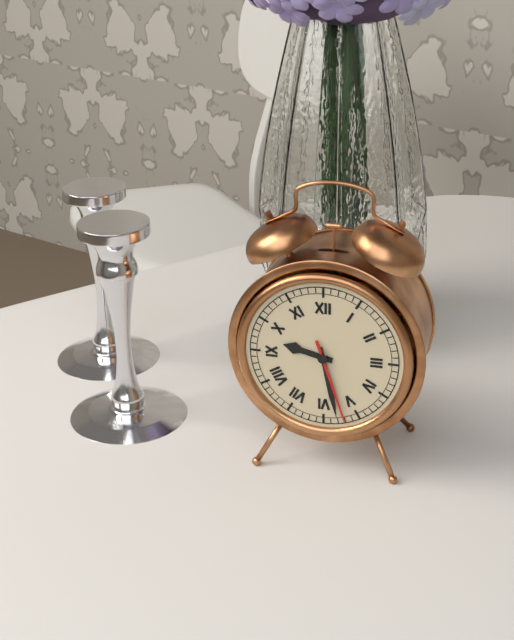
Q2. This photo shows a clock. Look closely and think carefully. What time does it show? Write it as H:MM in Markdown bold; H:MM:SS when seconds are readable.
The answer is **9:28:27**
